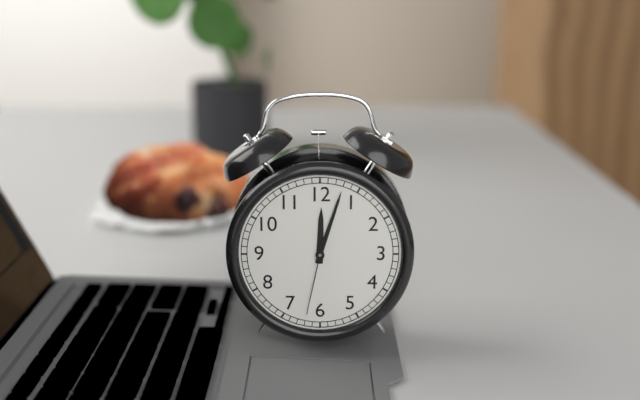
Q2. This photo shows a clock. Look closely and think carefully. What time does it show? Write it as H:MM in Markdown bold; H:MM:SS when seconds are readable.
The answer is **12:03:32**
